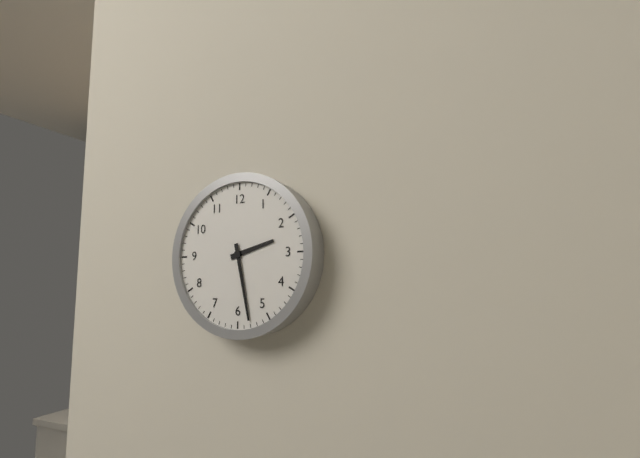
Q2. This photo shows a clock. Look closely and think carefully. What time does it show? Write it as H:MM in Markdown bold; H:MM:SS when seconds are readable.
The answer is **2:28**
